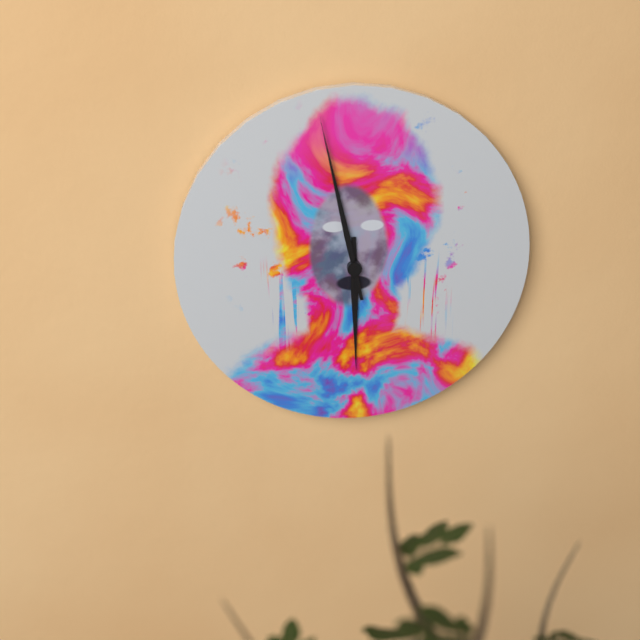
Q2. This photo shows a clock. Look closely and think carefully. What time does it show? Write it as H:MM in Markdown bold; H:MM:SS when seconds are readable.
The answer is **5:58**
